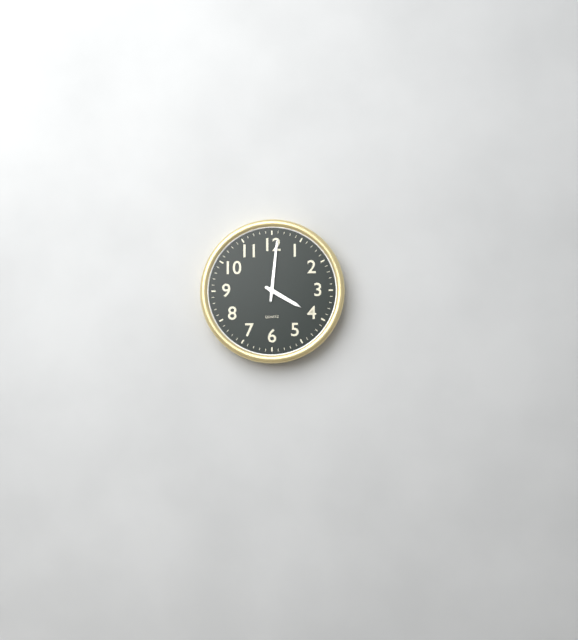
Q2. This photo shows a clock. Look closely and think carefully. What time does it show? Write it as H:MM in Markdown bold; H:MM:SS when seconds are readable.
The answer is **4:01**
